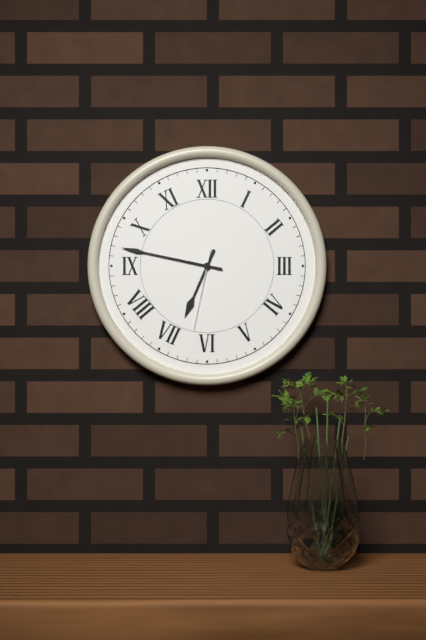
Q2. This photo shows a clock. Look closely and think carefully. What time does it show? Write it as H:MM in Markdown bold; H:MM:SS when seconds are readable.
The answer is **6:47:32**
